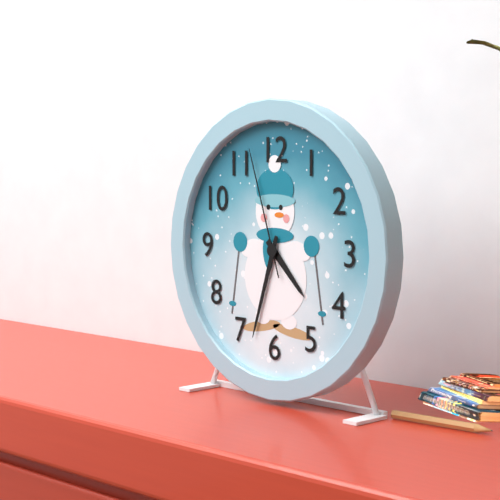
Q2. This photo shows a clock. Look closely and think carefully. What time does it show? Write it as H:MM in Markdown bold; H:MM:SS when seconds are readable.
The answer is **4:33:57**
